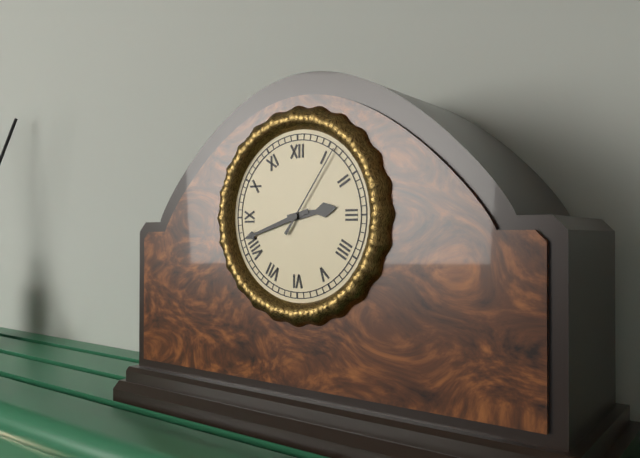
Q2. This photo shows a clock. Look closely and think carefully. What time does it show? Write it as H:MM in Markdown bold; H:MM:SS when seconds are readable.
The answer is **2:42:06**
